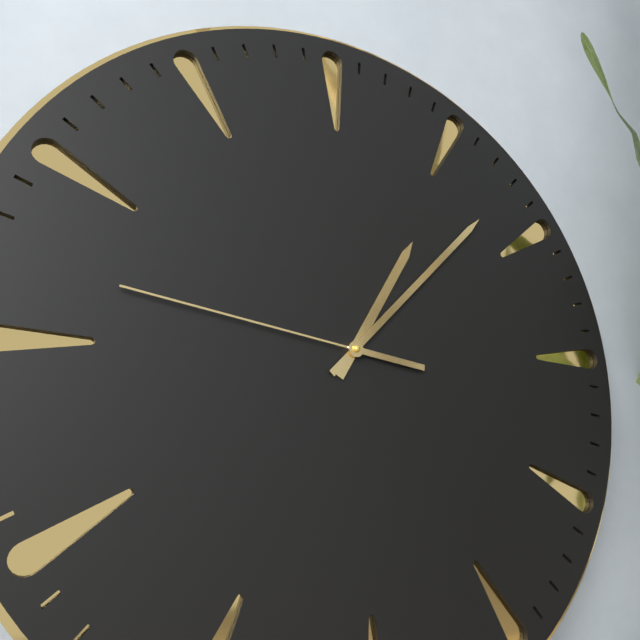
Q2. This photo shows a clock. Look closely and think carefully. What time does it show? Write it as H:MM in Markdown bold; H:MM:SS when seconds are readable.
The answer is **1:08:47**
